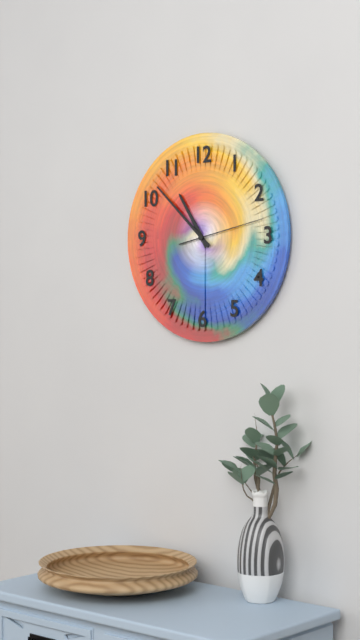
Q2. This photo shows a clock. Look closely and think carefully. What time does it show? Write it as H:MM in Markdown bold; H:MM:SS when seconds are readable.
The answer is **10:52:13**
